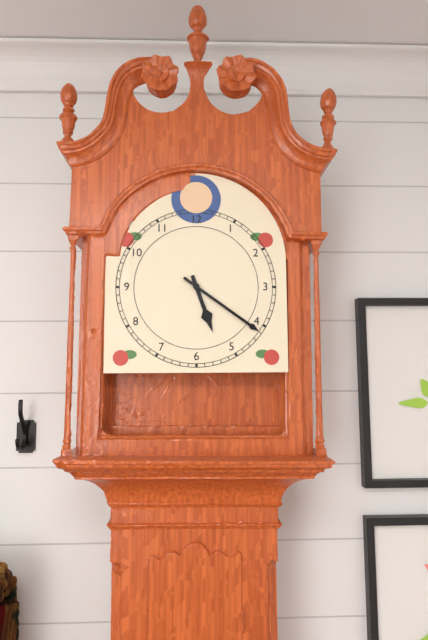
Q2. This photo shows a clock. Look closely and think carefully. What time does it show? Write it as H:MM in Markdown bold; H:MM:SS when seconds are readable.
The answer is **5:21**
